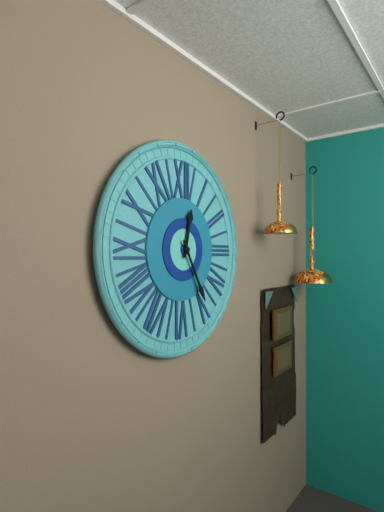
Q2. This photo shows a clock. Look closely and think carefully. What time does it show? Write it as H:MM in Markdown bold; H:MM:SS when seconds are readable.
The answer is **12:25**
